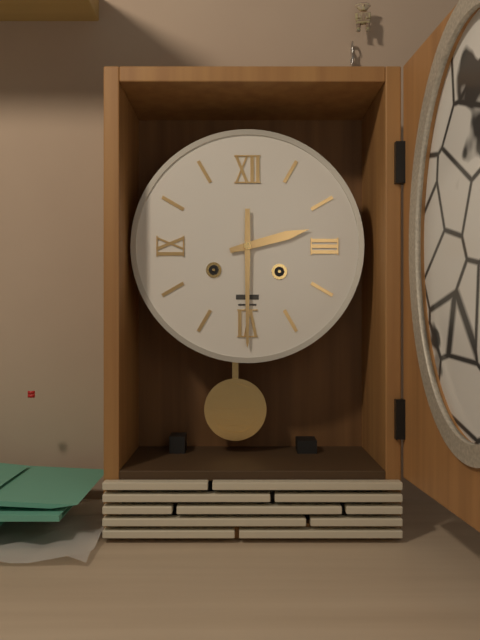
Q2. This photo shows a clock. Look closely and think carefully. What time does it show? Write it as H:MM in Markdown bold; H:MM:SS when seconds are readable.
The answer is **2:30**
